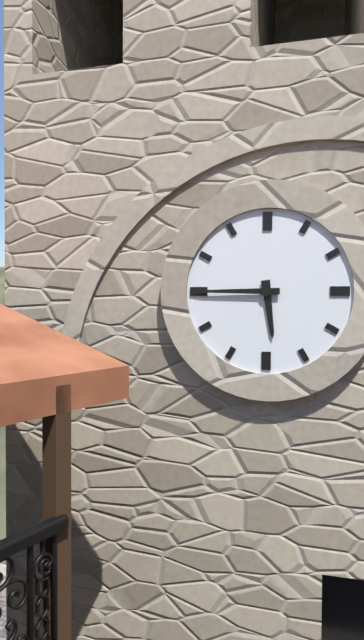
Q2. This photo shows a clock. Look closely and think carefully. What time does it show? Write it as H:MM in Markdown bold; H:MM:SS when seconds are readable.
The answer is **5:45**
